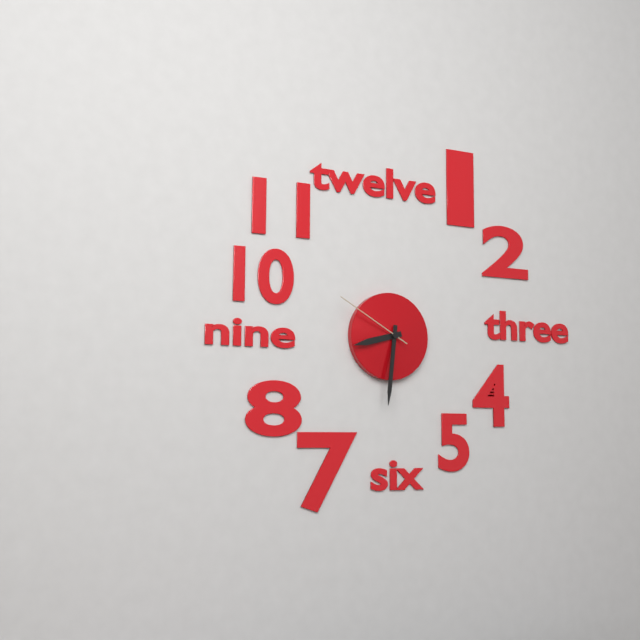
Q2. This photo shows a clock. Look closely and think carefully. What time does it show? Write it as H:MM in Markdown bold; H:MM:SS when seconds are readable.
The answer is **8:31:50**
